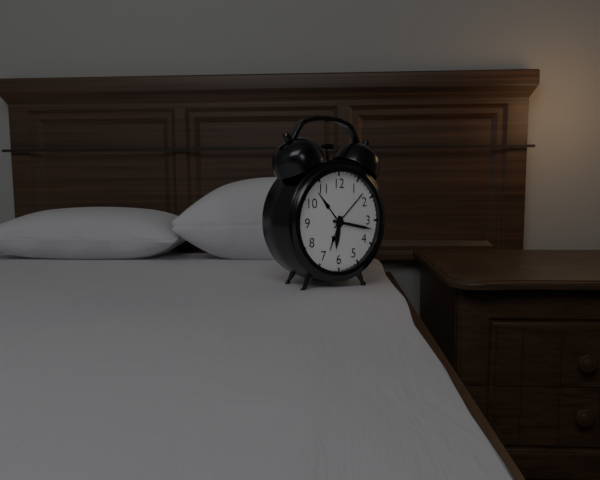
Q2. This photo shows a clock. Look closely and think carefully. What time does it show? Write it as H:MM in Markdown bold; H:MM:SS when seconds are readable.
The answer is **6:17**
